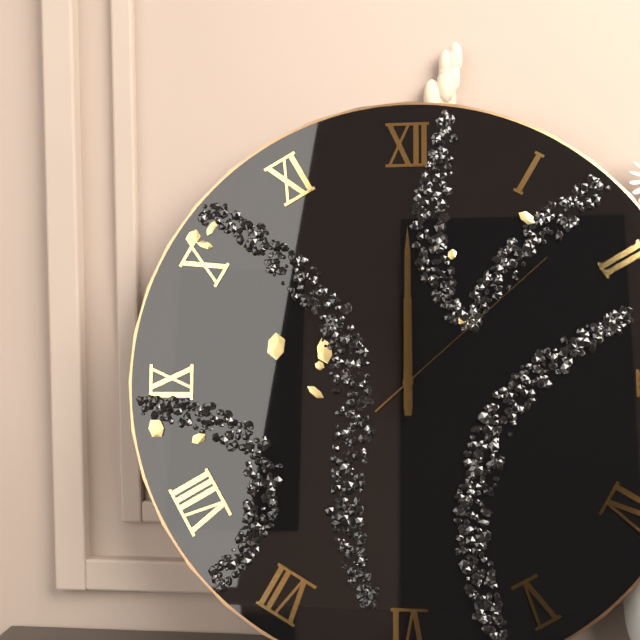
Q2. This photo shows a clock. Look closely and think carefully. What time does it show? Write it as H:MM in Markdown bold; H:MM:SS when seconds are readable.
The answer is **12:00:08**
